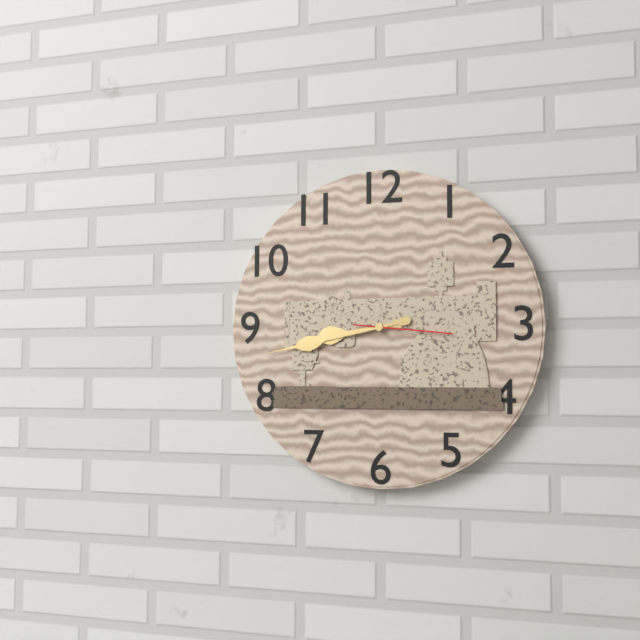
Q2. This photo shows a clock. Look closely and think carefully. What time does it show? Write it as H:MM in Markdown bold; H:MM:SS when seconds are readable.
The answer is **8:43:16**
